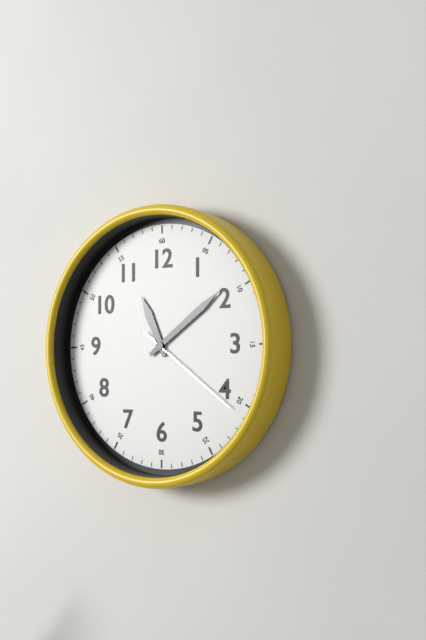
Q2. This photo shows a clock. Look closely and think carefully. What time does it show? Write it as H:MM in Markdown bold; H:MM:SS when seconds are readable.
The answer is **11:09:21**
